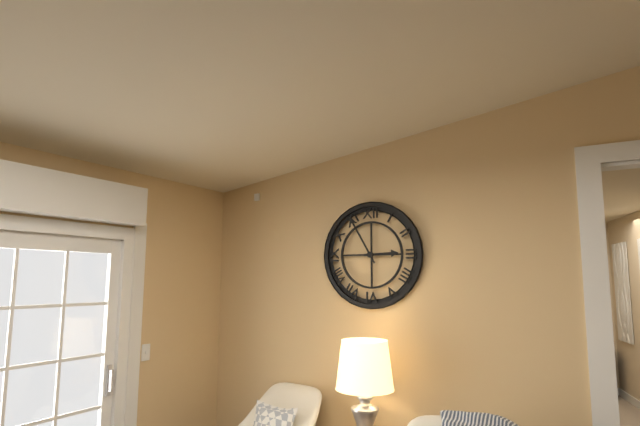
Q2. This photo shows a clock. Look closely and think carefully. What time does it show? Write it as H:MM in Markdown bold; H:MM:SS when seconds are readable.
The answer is **2:55**
